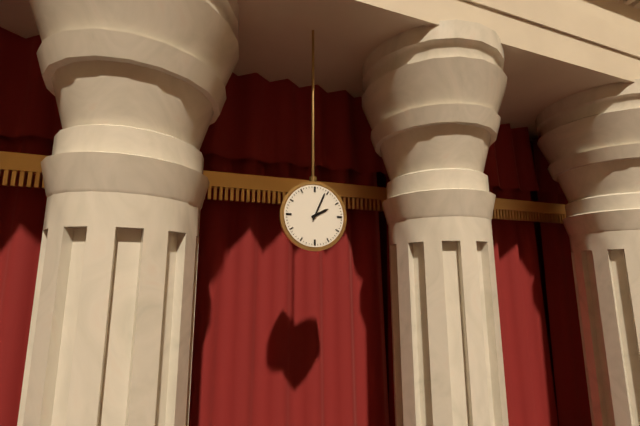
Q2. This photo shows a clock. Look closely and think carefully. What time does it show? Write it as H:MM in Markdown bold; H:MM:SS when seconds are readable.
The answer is **2:04**
